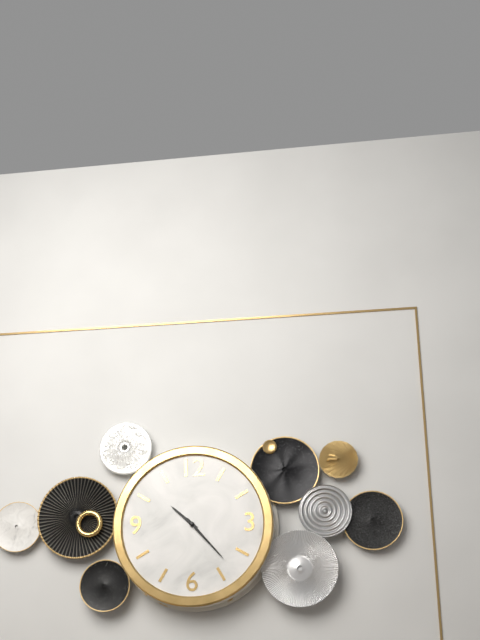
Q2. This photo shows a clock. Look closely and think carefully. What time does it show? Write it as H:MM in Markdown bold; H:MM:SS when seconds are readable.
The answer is **10:23**
